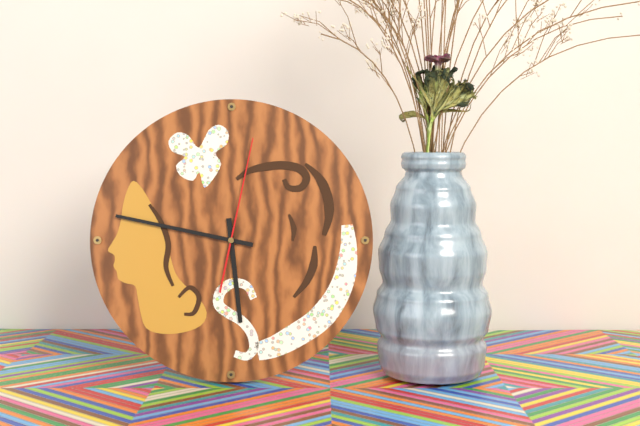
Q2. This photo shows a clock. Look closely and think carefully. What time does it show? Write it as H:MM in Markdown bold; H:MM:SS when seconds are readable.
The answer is **5:47:02**
